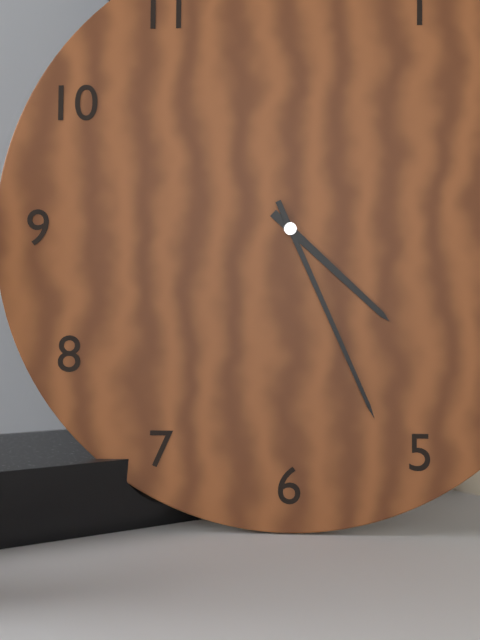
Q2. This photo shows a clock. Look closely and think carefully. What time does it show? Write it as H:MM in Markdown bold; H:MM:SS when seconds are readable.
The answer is **4:26**
